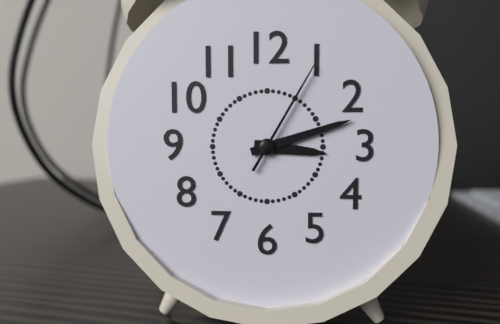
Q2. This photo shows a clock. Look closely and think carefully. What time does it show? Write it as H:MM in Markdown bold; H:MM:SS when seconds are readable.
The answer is **3:12:05**
